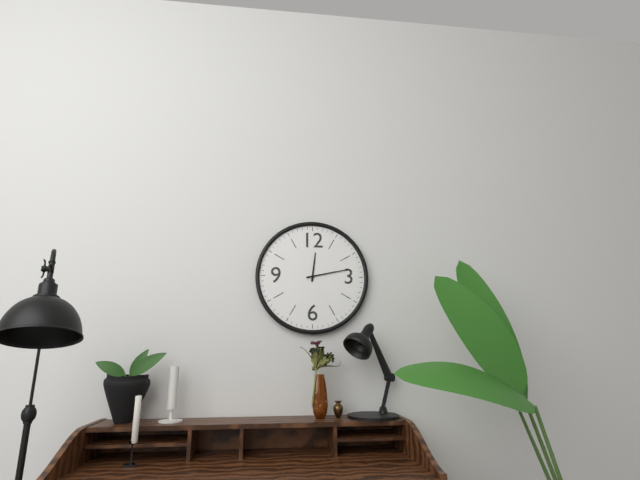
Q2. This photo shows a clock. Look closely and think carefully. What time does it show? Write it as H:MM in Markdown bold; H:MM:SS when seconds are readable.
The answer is **12:13**
